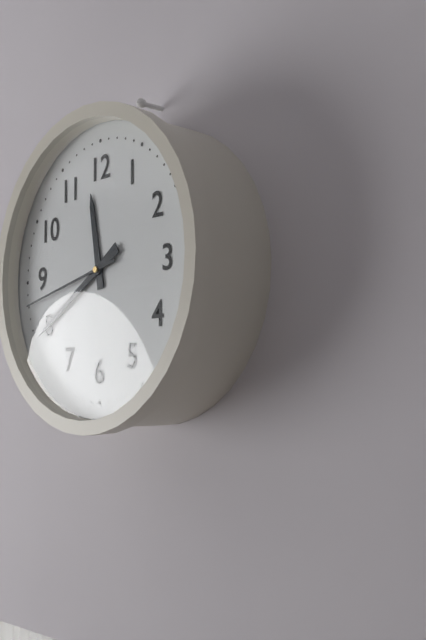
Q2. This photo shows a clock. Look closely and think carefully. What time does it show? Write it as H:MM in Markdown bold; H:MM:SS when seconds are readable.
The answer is **11:40:43**
